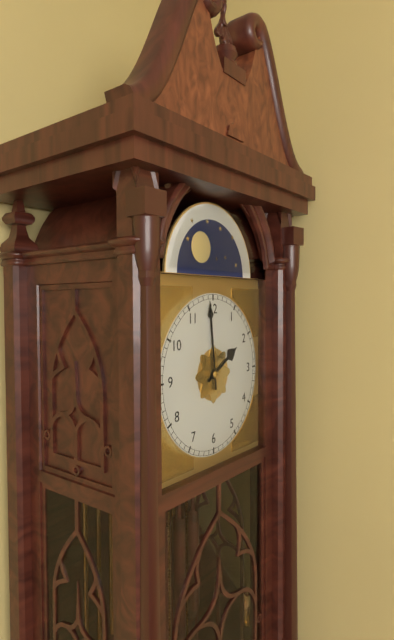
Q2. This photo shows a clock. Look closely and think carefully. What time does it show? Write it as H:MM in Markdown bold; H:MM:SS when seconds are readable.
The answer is **1:59**
